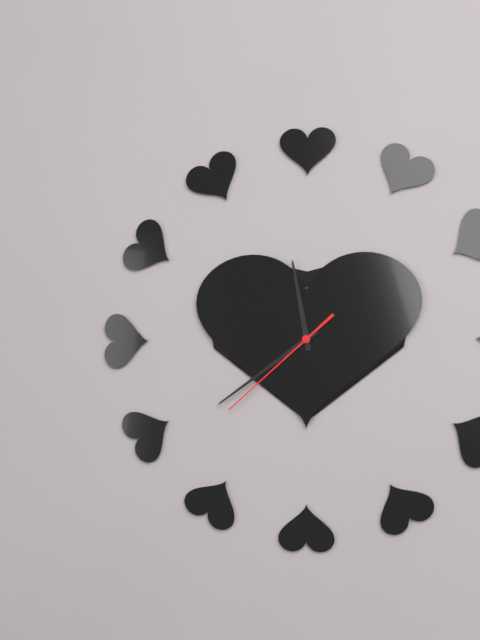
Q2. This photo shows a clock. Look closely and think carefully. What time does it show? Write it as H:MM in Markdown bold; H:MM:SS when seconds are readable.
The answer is **11:39:38**
